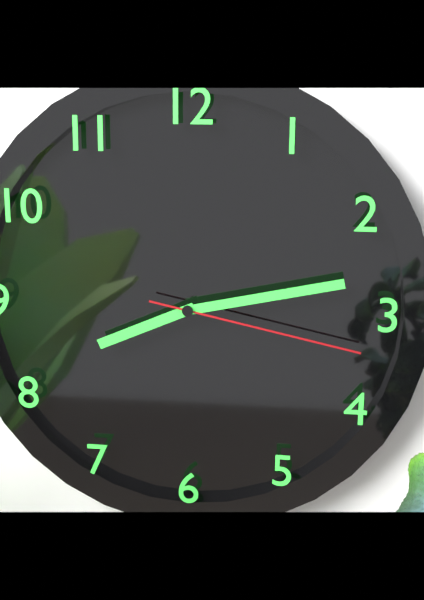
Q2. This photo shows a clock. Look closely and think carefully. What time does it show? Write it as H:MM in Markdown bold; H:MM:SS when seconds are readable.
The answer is **8:13:17**
